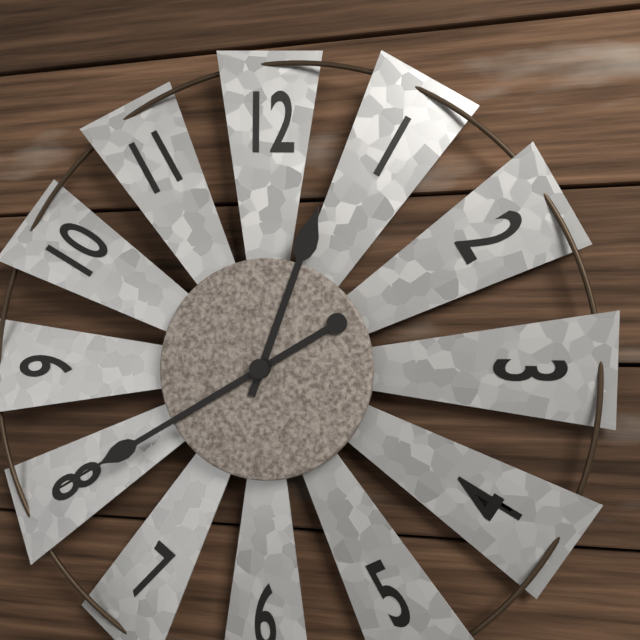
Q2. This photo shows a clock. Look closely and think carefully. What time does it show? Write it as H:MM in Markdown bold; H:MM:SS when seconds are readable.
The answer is **12:40**
